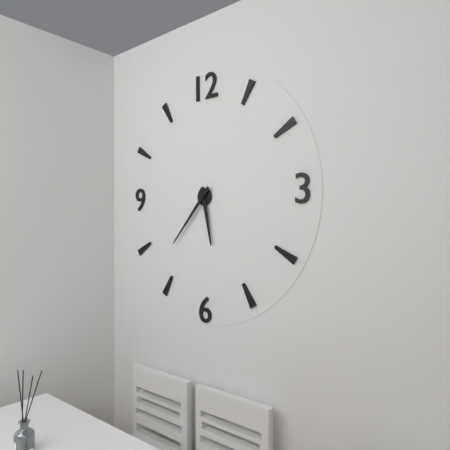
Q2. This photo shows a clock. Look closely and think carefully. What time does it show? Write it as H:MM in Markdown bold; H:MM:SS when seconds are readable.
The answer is **5:37**
